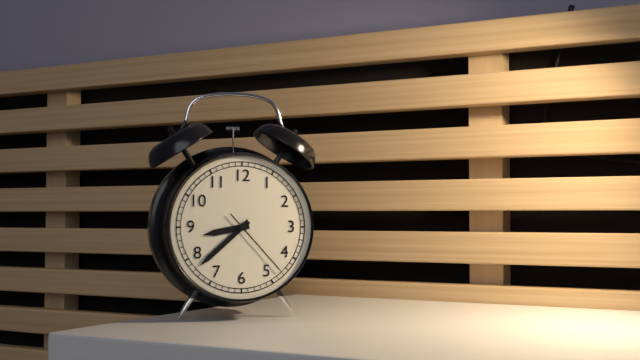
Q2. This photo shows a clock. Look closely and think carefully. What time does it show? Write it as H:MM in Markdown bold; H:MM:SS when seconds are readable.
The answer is **8:38:23**
